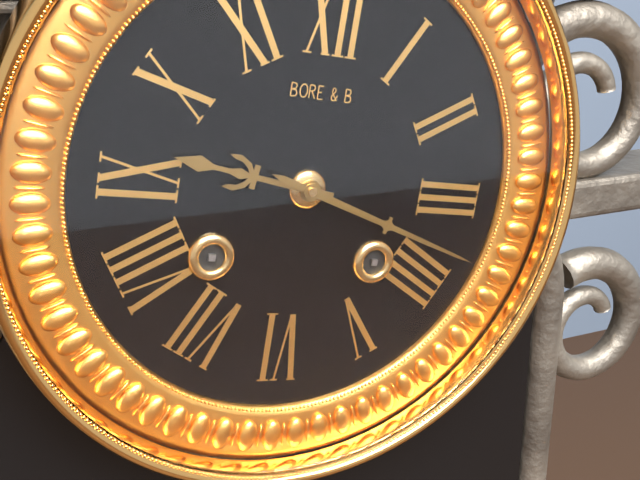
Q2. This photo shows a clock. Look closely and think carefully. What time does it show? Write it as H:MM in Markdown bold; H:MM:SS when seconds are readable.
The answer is **9:18**
